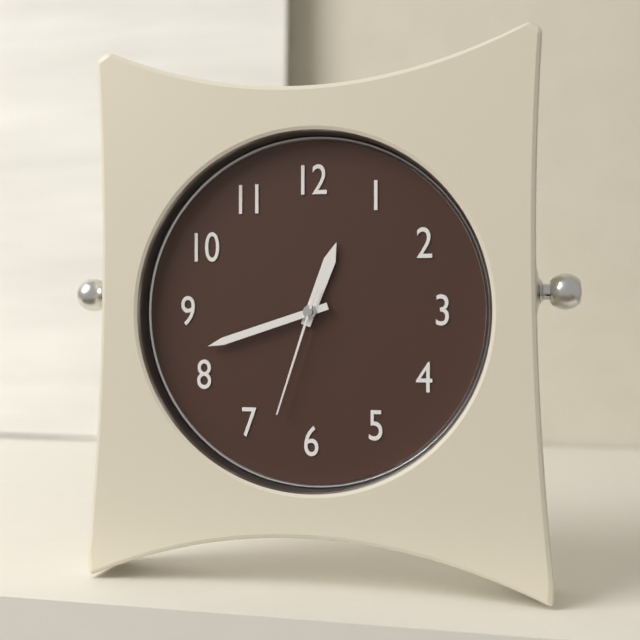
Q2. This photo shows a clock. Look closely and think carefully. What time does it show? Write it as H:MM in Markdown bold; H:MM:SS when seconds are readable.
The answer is **12:42:33**
